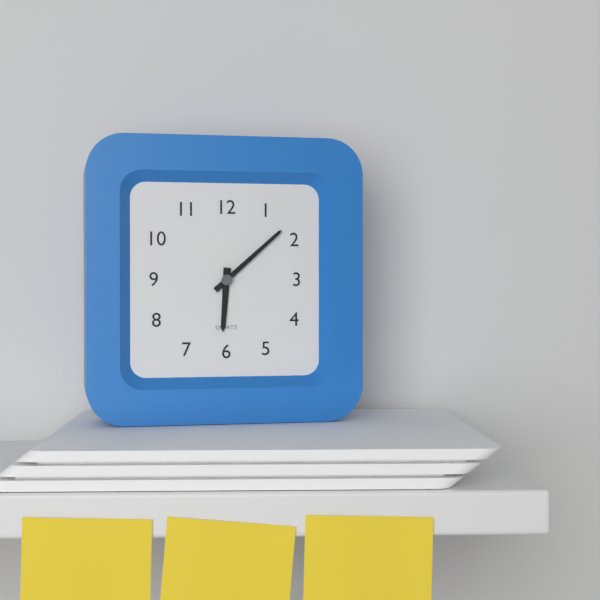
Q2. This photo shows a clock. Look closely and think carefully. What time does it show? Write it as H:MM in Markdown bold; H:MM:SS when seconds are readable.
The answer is **6:08**
